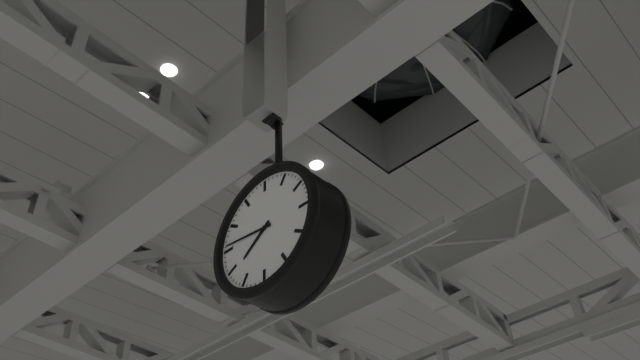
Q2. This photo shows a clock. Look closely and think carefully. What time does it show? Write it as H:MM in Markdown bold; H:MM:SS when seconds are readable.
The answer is **7:46**
